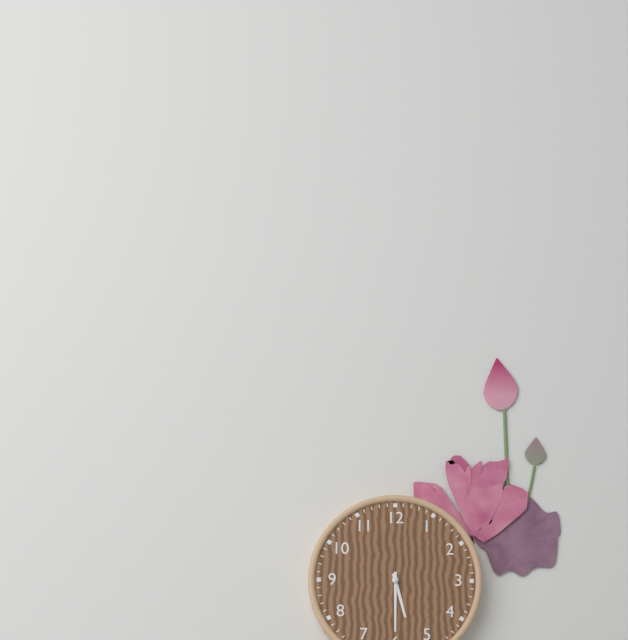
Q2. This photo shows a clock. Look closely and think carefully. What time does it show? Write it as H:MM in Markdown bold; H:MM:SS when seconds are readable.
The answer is **5:30**
